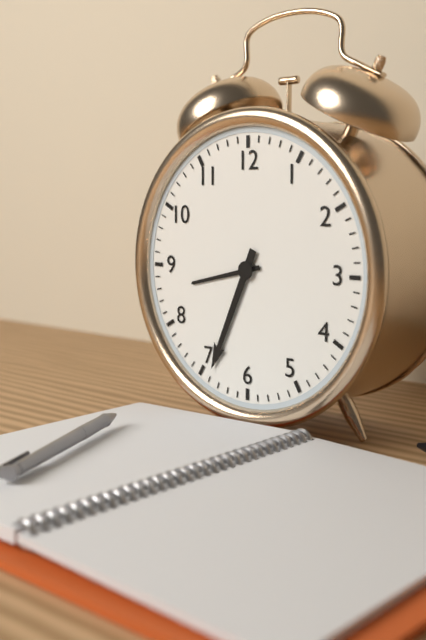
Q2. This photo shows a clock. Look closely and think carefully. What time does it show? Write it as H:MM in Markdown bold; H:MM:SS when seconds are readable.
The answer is **8:34**
